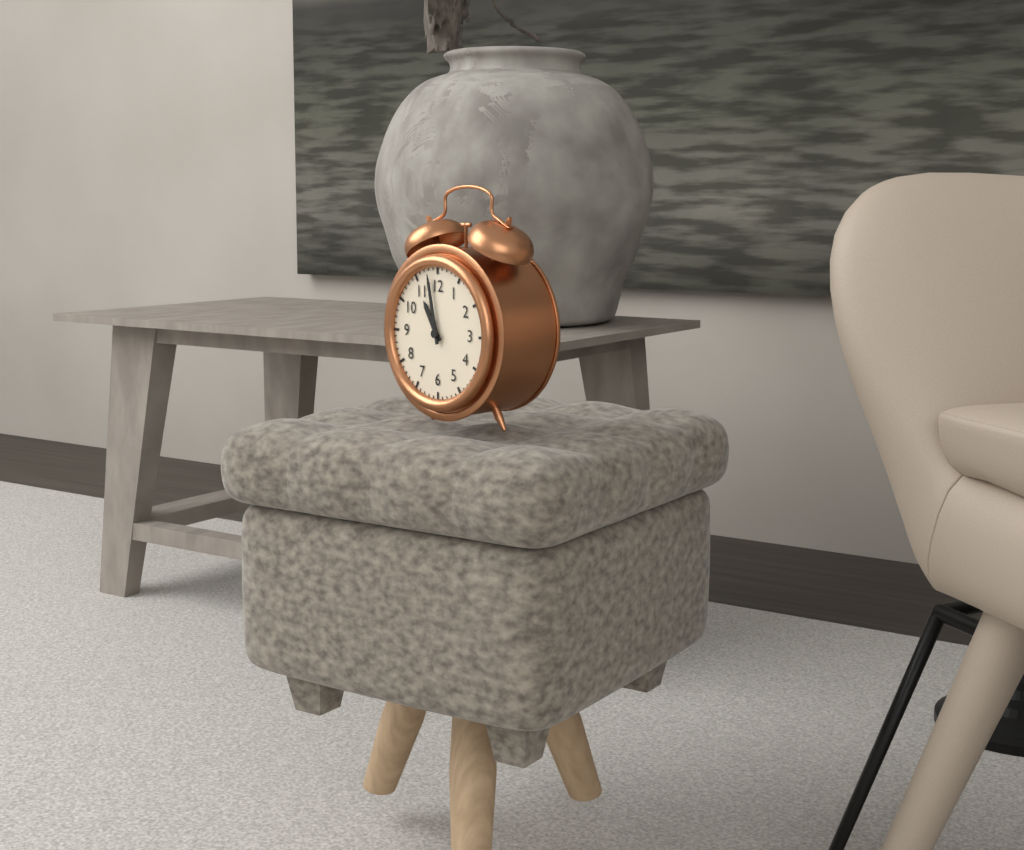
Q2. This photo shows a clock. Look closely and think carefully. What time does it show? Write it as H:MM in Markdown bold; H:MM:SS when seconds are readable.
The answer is **10:58**
